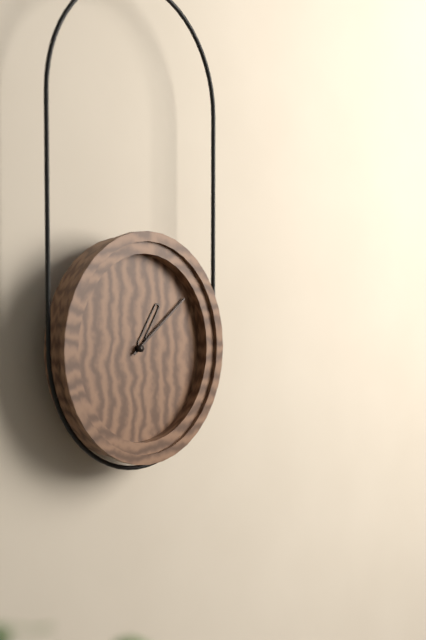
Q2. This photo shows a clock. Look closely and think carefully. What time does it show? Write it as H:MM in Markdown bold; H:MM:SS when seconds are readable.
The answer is **1:09**
